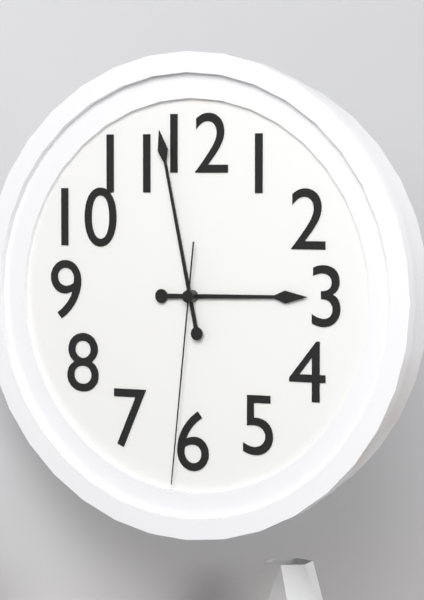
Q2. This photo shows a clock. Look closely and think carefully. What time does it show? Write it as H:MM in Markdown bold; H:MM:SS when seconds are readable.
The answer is **2:58:31**
